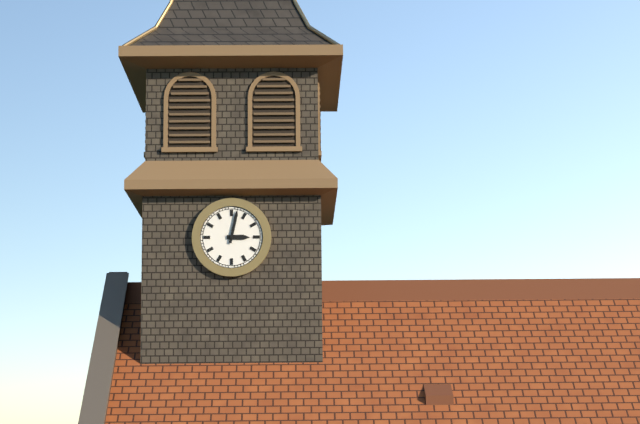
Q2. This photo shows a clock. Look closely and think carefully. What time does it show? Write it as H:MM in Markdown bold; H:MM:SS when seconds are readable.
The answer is **3:02**
